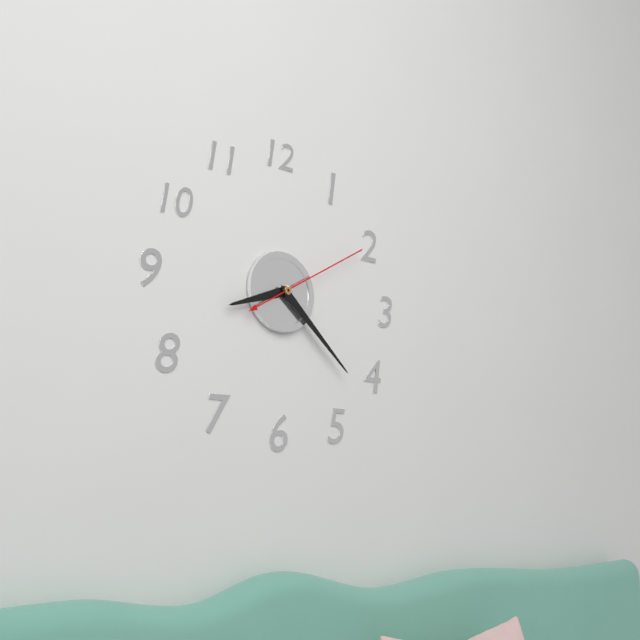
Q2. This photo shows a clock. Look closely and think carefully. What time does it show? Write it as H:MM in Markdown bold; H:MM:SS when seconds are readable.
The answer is **8:22:10**
